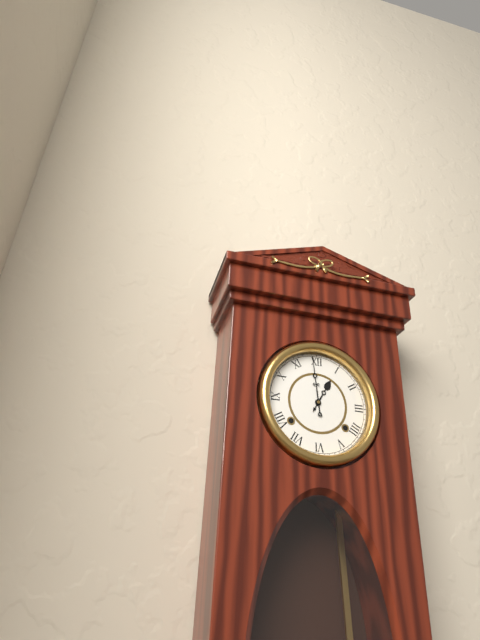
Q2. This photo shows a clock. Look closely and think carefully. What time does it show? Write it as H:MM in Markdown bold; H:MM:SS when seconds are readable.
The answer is **12:59**
